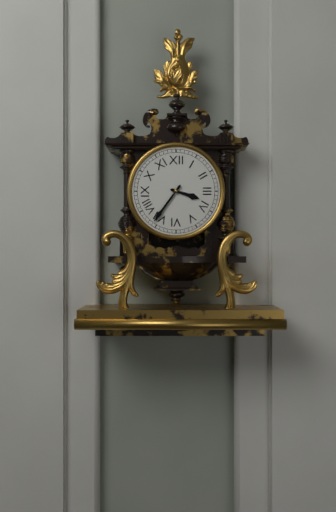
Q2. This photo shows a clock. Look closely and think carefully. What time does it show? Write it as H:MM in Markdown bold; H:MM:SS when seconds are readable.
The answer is **3:36**
